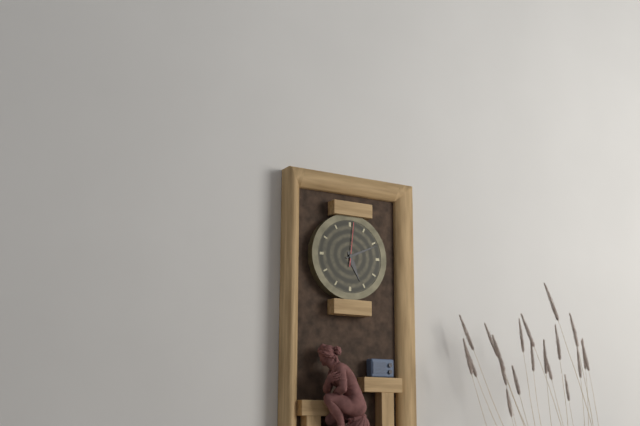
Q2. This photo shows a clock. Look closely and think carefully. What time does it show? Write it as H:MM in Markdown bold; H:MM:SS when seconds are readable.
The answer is **5:11**
